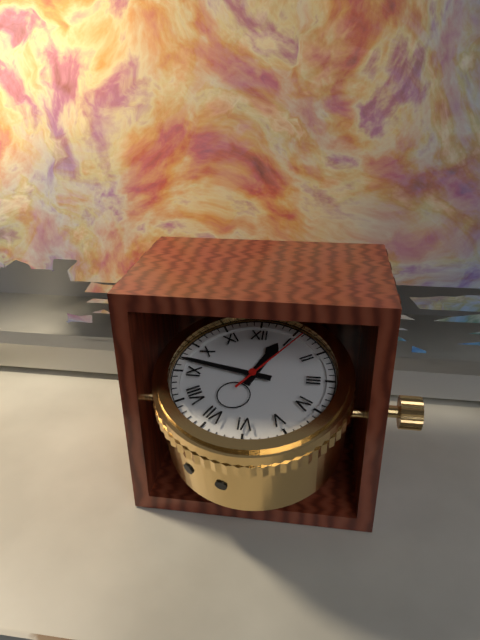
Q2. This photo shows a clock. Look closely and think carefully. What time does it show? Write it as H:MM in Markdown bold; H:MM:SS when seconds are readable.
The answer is **12:47:06**
